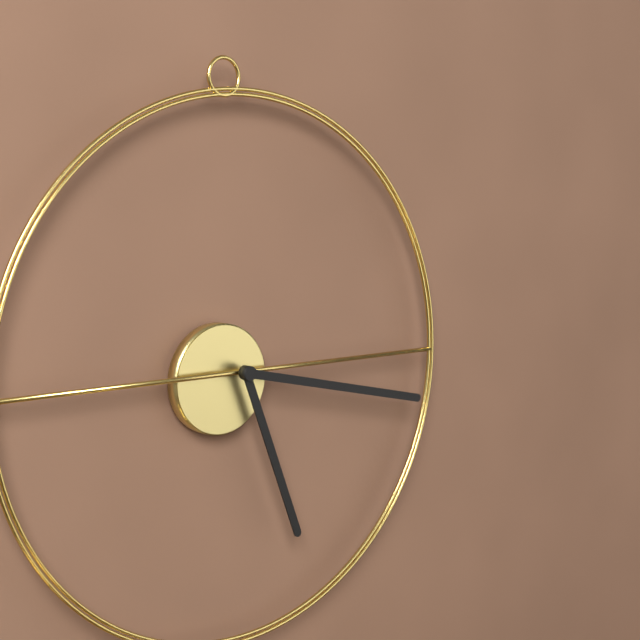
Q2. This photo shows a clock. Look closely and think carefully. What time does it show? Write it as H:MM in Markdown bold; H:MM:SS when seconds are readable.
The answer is **5:17**
